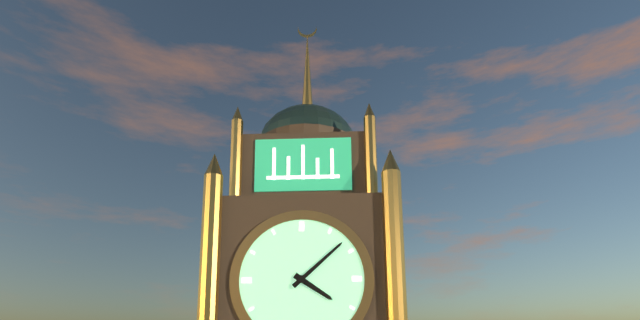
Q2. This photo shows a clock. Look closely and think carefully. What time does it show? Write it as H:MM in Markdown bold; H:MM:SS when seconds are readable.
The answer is **4:08**
